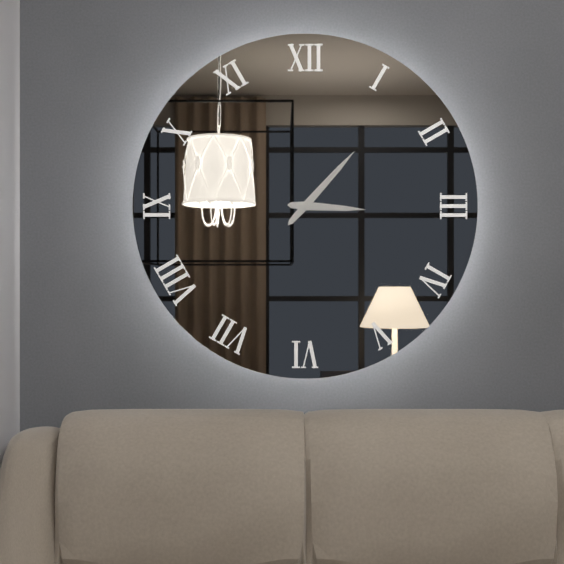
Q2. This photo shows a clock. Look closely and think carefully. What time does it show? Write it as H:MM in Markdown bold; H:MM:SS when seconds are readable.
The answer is **3:07**
